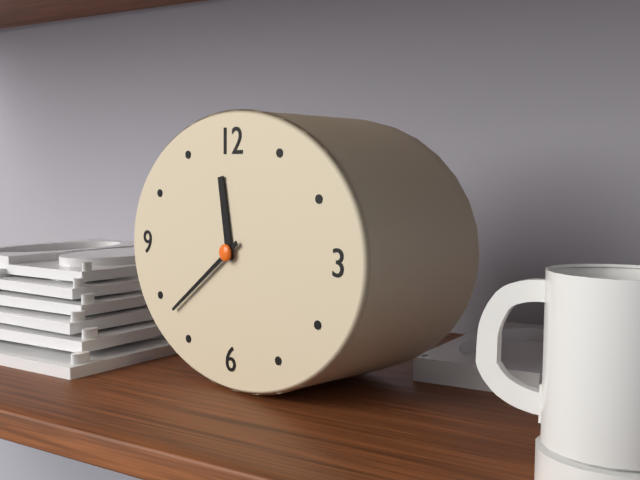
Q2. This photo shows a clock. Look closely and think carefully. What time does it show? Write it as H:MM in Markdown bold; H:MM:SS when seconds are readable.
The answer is **11:39**
